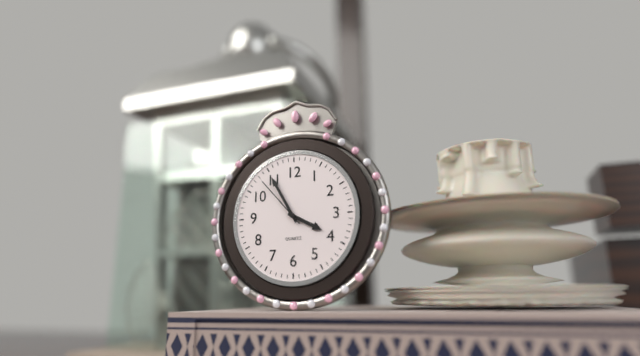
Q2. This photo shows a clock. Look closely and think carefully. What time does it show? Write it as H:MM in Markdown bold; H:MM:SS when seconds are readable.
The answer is **3:55:53**
